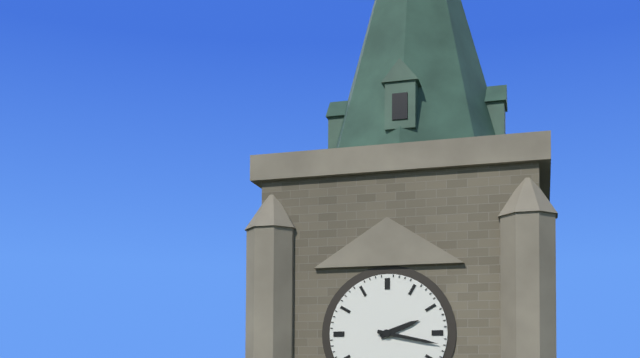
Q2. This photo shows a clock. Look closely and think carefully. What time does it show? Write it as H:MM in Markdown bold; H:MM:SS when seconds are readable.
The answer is **2:17**
